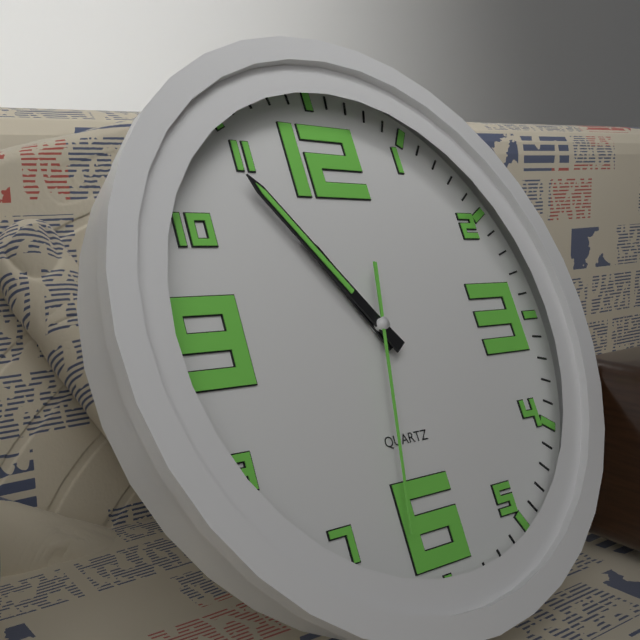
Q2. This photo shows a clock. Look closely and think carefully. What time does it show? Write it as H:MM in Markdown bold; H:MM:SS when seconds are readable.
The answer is **10:54:32**
